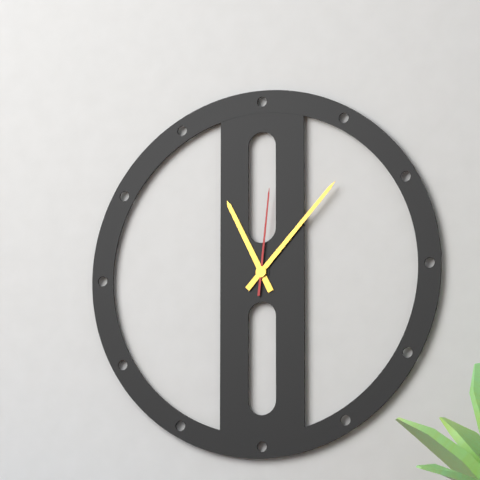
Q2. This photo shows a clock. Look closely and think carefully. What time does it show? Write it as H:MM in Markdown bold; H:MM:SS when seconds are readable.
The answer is **11:07:01**
